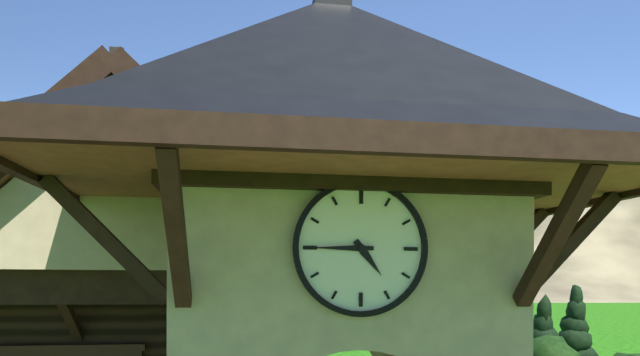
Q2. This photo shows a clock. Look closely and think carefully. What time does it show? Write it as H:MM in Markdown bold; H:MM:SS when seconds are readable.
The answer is **4:45**
